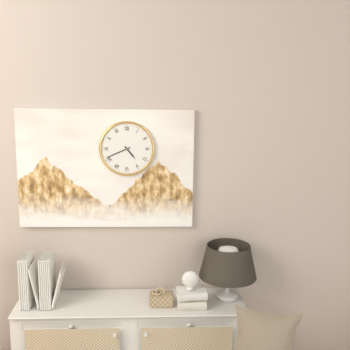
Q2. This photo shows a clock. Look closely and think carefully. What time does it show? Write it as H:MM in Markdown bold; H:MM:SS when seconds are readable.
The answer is **4:41**
